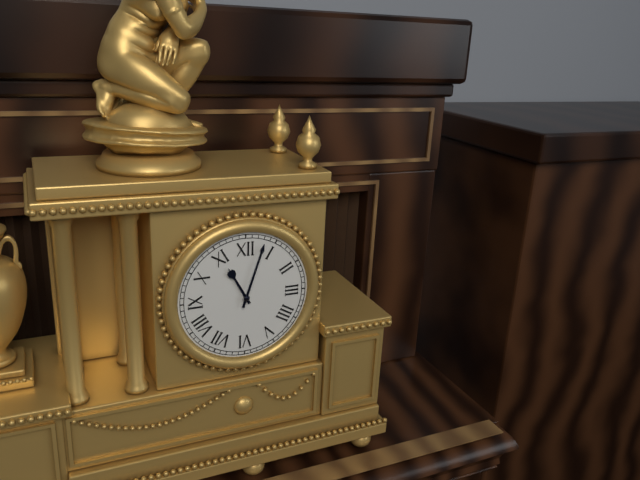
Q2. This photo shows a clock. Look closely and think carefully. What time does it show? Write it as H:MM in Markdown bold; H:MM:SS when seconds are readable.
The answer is **11:03**
